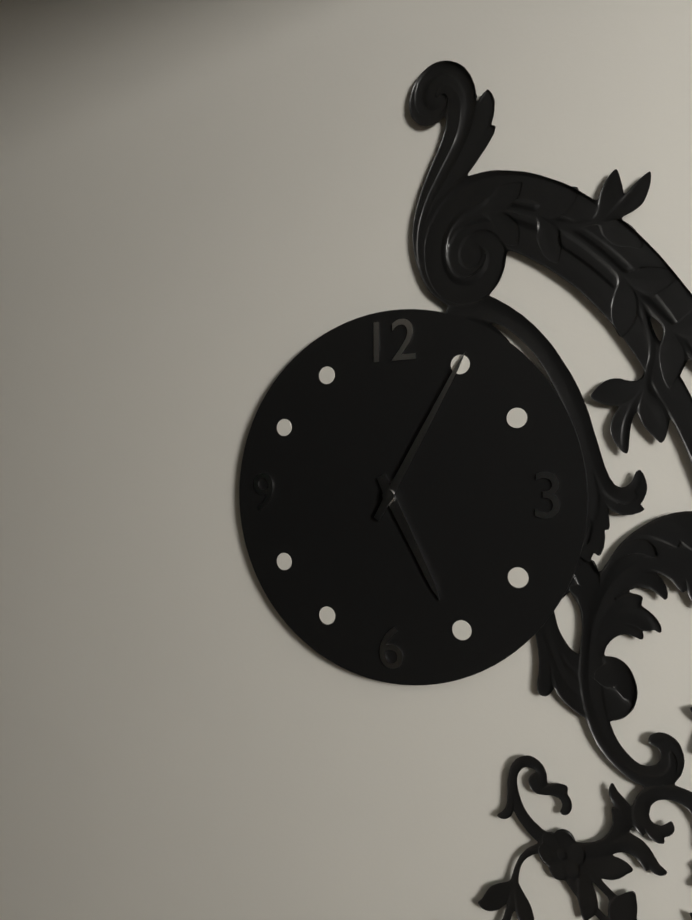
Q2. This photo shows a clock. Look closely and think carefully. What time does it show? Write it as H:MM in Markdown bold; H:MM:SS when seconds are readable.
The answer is **5:05**
